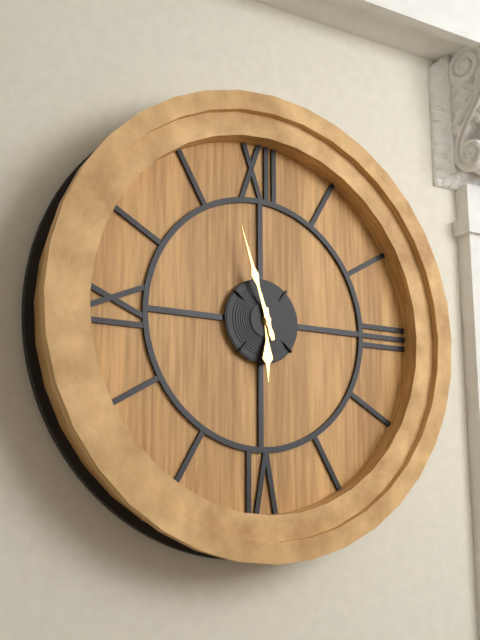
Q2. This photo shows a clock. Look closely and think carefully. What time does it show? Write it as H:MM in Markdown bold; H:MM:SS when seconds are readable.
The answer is **5:57**
